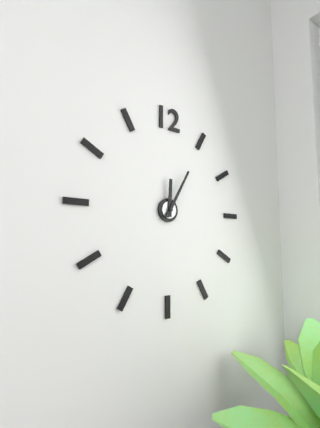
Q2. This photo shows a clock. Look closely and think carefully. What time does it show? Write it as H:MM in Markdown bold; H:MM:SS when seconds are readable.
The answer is **12:05**
